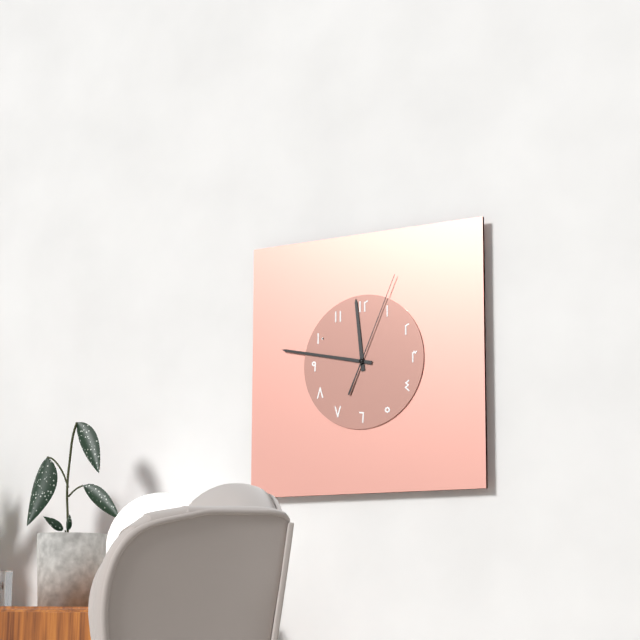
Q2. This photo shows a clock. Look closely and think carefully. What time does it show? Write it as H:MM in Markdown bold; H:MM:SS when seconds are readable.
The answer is **11:47:04**
